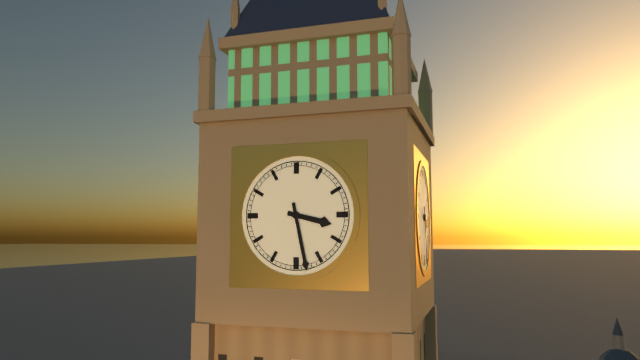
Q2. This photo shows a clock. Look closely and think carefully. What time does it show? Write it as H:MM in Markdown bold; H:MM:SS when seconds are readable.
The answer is **3:28**
